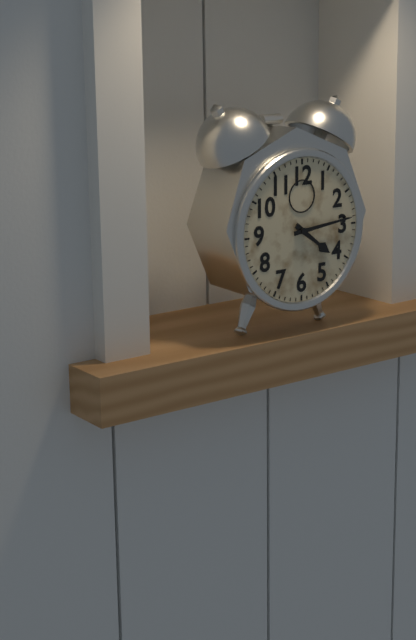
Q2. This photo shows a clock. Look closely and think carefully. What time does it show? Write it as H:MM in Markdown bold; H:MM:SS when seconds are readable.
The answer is **4:14**
